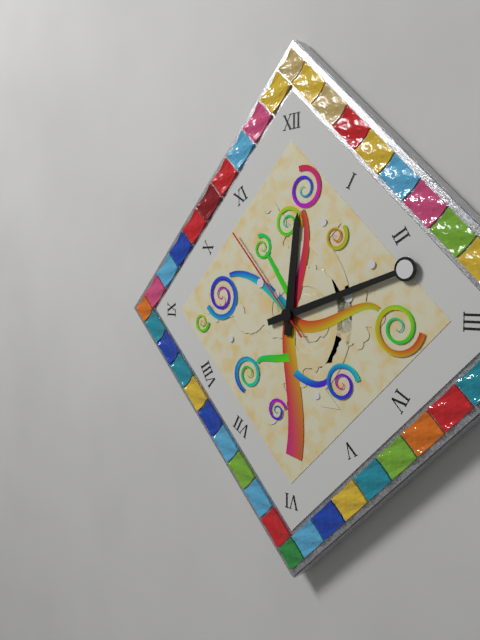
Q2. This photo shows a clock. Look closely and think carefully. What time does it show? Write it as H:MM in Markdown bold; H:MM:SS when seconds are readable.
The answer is **12:12:53**
